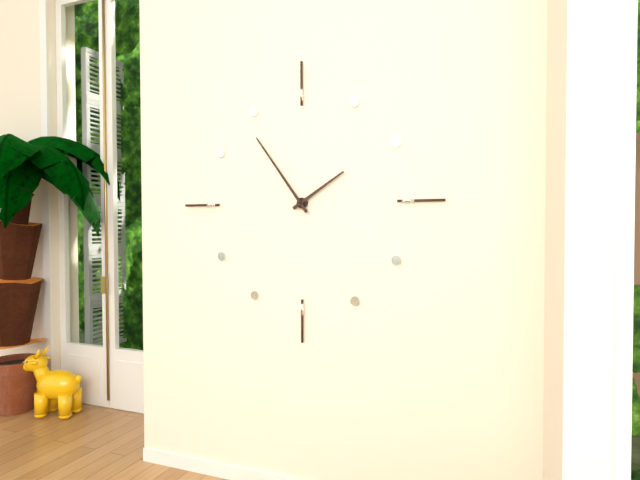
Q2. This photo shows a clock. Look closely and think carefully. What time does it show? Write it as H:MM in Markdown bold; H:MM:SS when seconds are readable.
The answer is **1:54**
